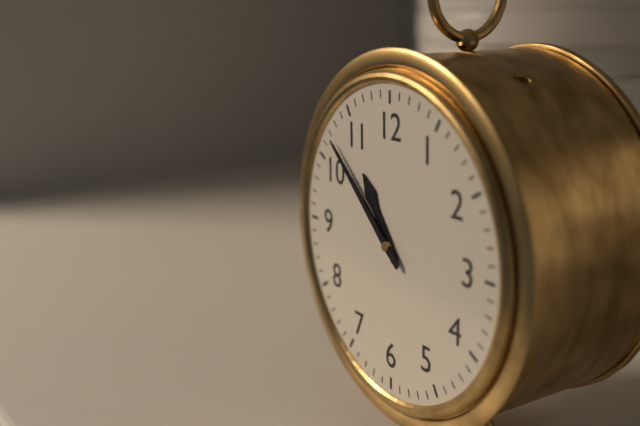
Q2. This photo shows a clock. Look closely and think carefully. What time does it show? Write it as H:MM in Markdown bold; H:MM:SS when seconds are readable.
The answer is **10:52**
